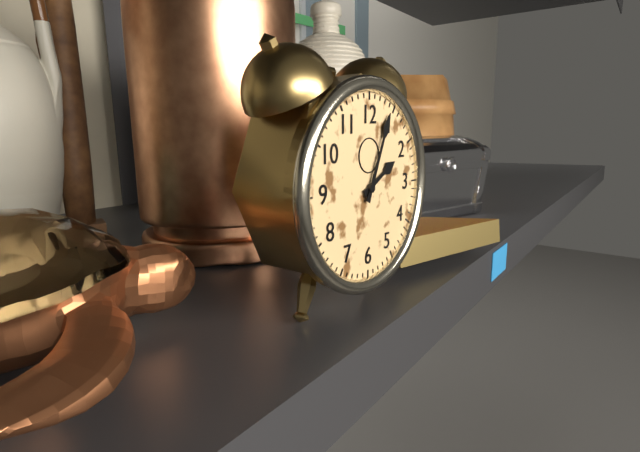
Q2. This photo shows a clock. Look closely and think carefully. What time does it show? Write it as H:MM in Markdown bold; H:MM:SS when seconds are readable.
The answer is **2:04**
